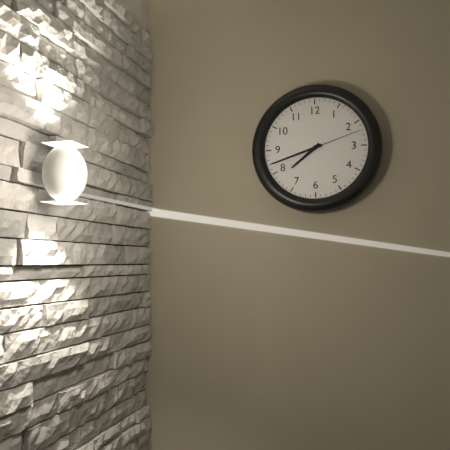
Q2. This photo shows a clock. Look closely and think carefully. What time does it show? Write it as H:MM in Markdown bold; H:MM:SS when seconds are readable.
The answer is **7:42:12**
